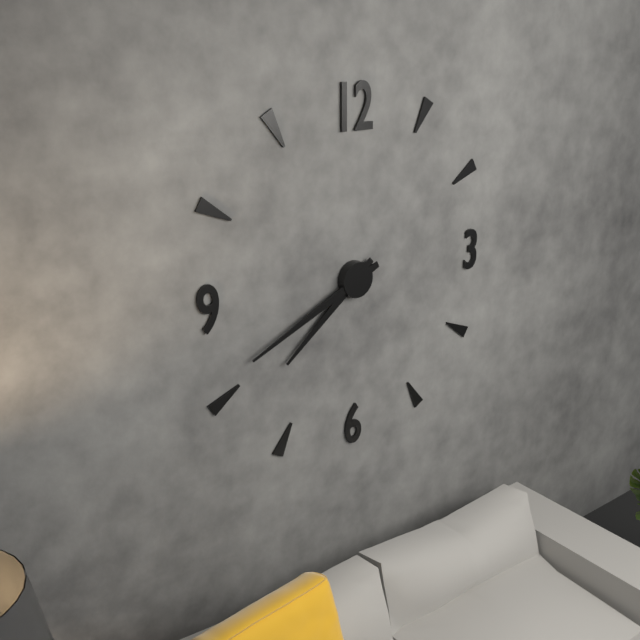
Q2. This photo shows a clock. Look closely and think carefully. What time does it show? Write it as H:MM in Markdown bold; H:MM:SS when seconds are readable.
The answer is **7:41**
